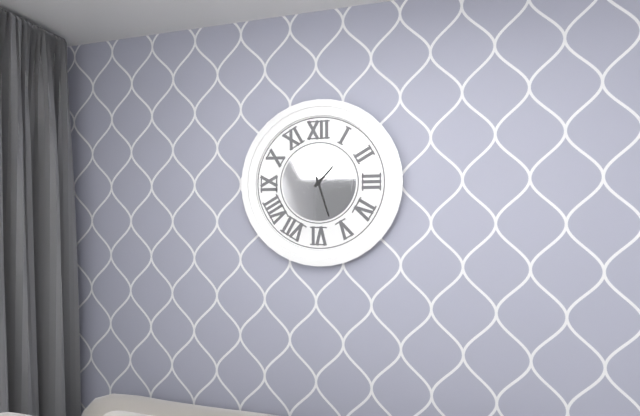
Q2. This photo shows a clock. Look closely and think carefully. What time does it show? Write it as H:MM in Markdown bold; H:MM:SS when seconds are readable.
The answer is **1:27**
